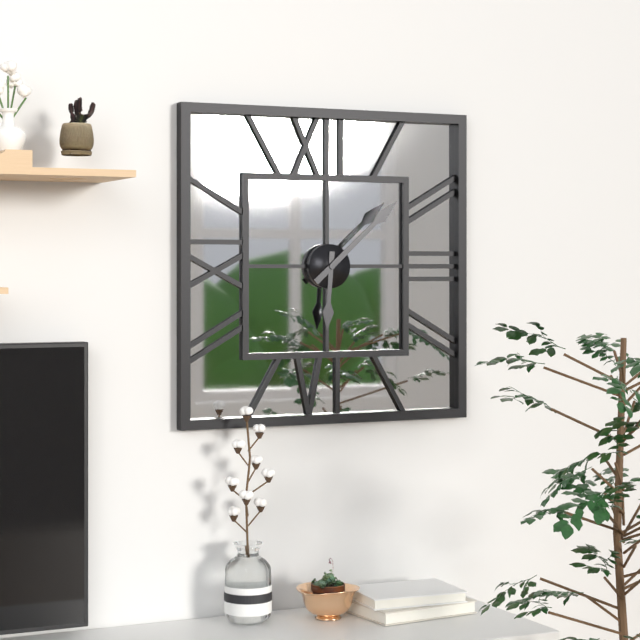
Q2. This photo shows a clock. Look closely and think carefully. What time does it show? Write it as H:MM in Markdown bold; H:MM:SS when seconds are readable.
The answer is **6:08**
